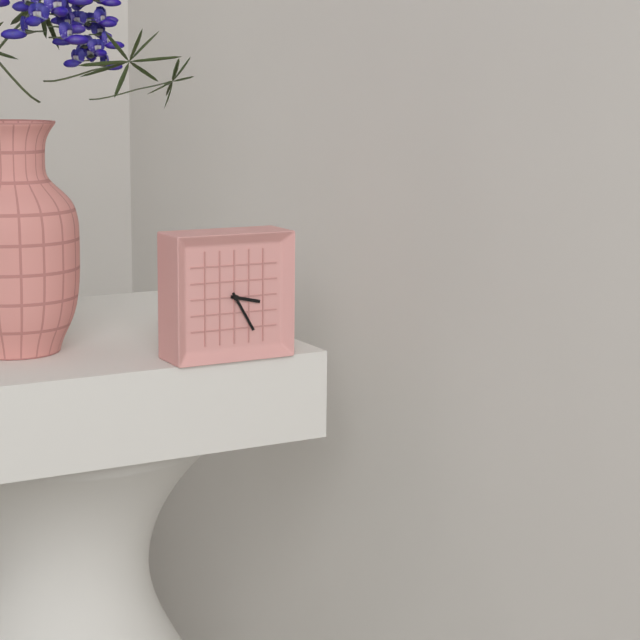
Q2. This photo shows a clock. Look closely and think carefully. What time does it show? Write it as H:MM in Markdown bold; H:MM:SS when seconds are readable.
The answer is **3:25**
